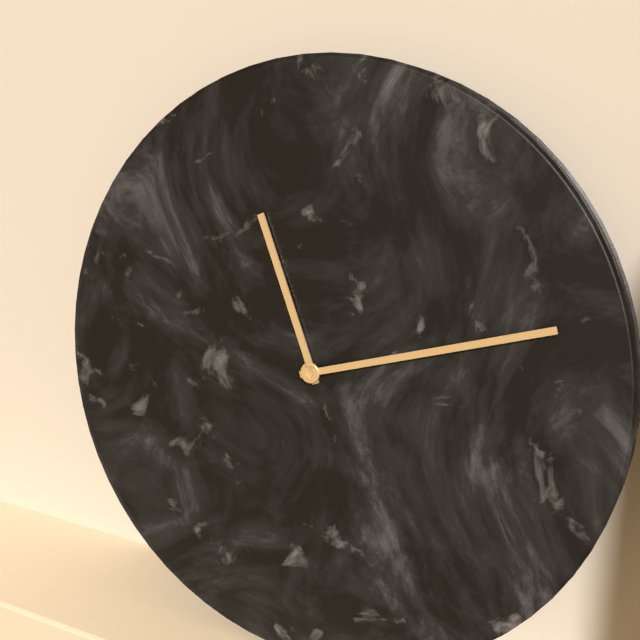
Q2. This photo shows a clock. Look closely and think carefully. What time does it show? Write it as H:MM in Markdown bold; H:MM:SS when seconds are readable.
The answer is **11:12**
